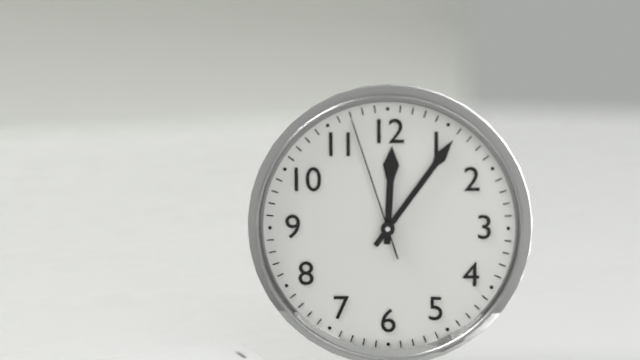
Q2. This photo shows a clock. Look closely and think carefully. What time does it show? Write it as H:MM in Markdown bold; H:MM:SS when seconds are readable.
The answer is **12:06:57**
